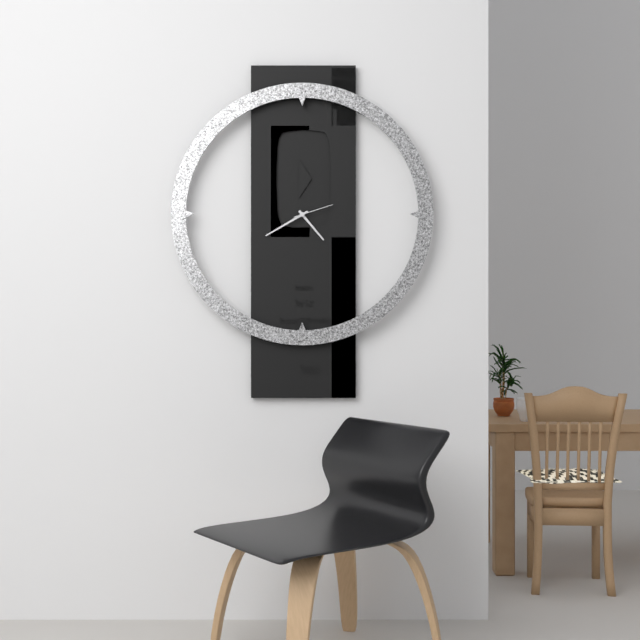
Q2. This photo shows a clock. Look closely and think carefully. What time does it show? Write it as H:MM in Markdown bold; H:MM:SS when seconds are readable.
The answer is **4:40**
